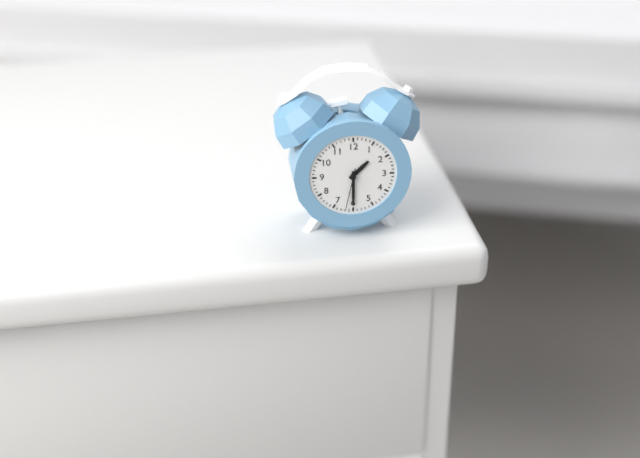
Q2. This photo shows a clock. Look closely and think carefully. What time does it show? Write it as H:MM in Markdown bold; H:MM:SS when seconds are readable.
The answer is **1:30**
